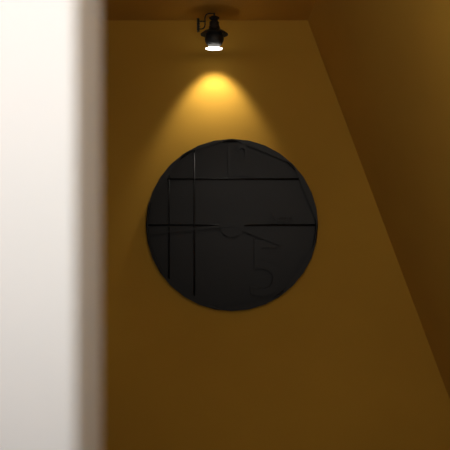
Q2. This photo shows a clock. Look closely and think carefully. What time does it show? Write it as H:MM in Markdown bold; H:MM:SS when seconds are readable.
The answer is **3:44**
